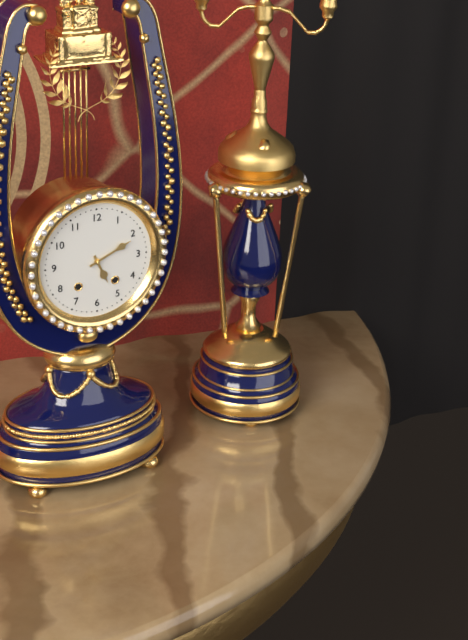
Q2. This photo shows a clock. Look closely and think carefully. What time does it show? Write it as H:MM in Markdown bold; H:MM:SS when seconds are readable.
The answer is **5:11**
